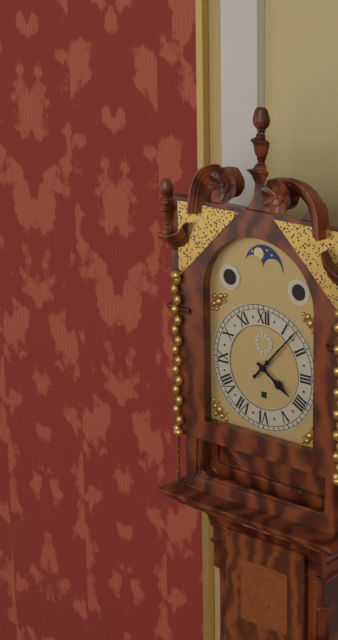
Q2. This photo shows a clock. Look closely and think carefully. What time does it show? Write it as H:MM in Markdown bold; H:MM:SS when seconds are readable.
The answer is **4:07**
